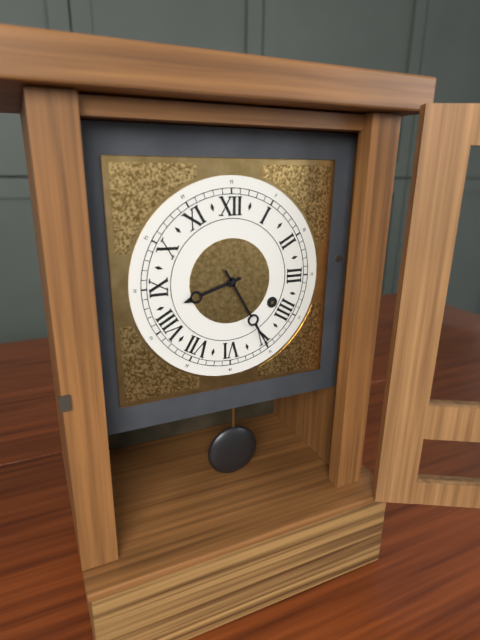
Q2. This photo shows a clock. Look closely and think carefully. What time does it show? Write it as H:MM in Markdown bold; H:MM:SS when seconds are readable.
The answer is **8:25**
